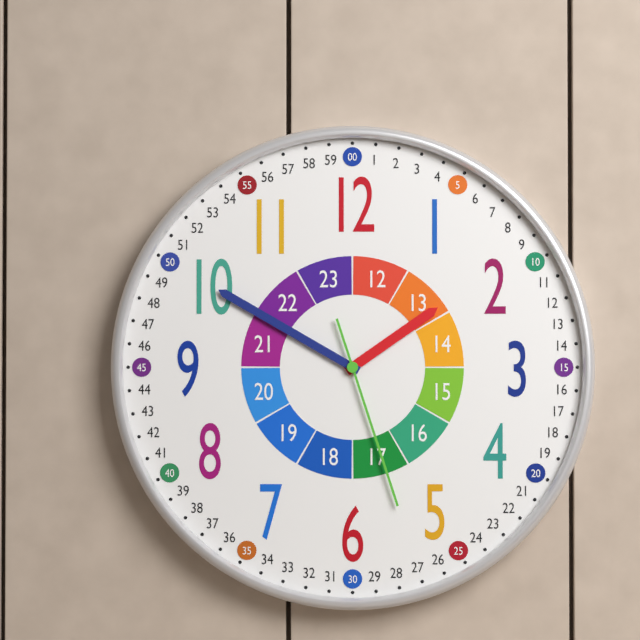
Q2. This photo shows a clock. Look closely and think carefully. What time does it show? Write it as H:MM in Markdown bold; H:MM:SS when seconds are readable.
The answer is **1:50:27**
